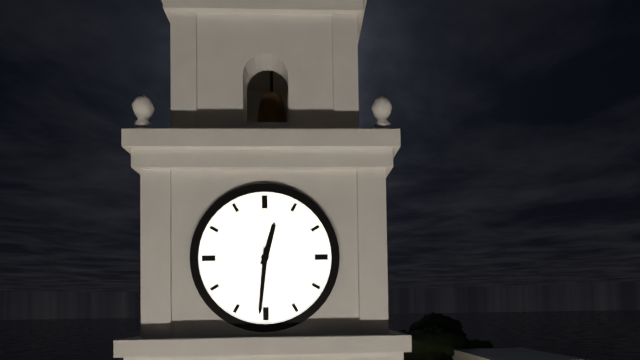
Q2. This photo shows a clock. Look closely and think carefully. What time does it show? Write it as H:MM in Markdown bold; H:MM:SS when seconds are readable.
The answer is **12:31**
